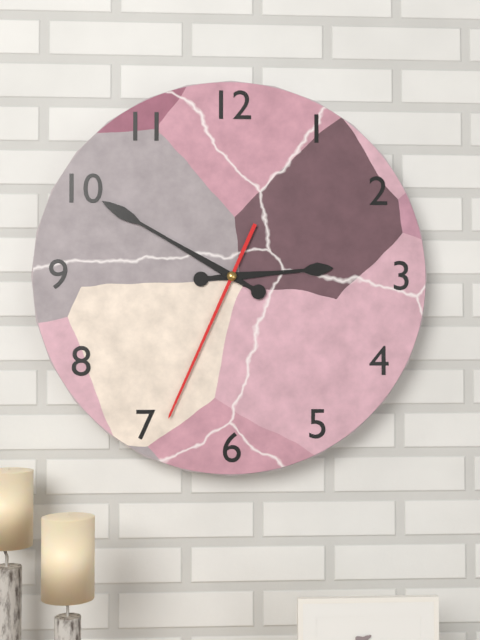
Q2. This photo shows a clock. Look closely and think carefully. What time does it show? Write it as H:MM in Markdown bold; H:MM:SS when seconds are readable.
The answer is **2:50:34**
